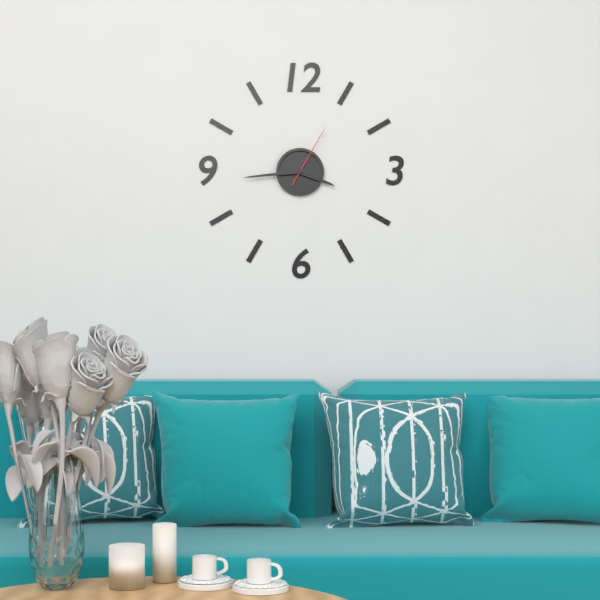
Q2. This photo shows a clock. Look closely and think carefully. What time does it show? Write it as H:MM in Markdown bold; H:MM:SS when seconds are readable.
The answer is **3:44:05**
